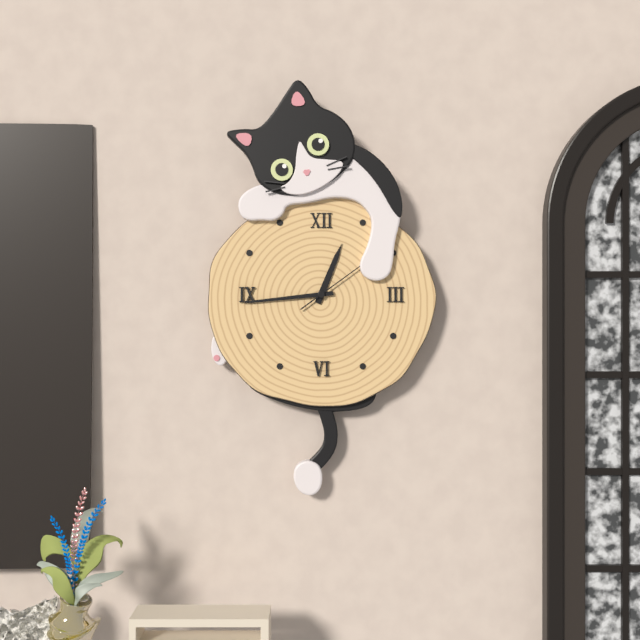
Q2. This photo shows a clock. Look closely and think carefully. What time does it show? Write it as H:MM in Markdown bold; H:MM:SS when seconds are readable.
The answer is **12:44**
